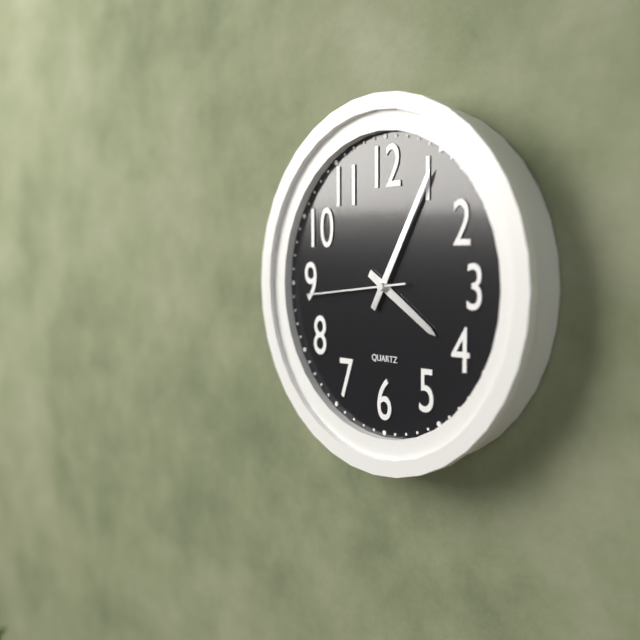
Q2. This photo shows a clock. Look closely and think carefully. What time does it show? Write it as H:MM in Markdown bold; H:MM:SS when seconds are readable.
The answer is **4:05:44**
